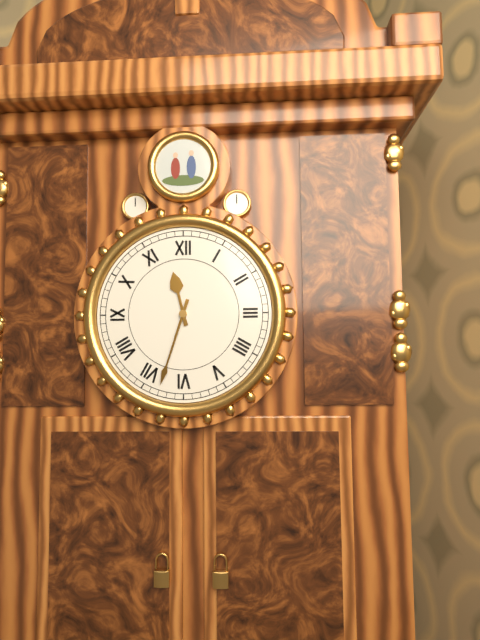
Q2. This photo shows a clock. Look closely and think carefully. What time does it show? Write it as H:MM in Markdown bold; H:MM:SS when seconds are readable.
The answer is **11:33**
